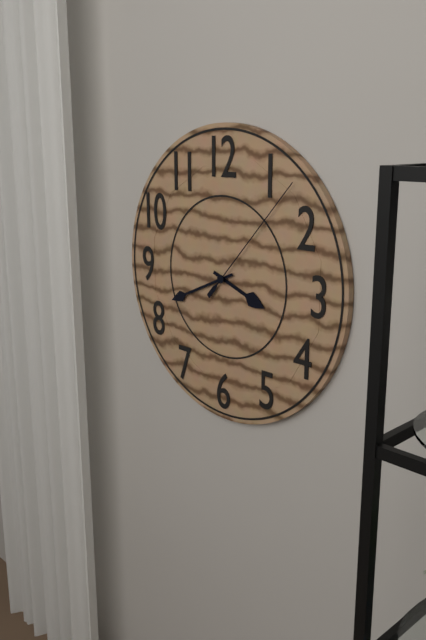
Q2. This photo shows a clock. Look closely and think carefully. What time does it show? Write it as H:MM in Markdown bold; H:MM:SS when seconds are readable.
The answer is **3:41:07**
